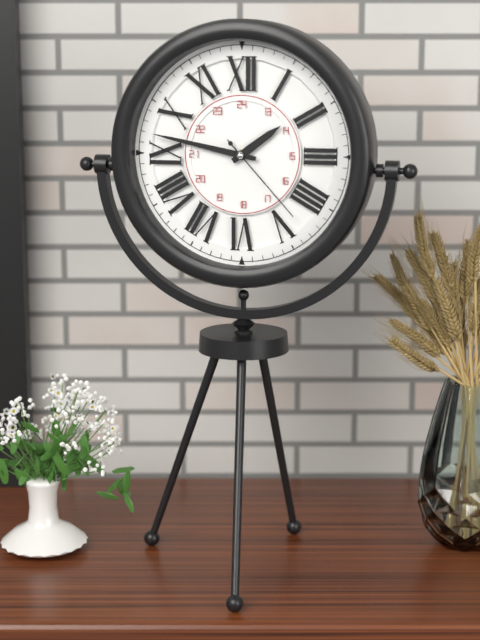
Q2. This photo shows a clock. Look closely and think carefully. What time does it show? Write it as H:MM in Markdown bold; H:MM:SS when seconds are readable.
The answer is **1:47:23**
